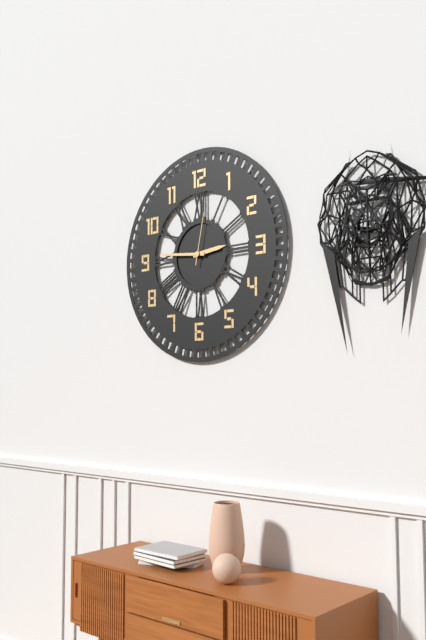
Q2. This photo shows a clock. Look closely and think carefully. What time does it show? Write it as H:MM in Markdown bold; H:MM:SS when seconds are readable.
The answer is **2:46:02**
